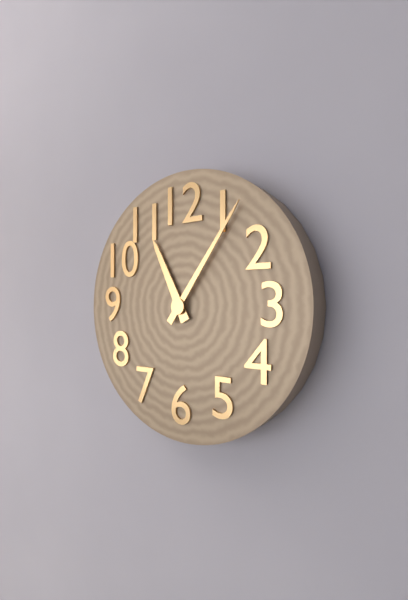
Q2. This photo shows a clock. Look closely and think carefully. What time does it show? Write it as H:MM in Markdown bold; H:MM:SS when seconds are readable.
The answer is **11:06**
